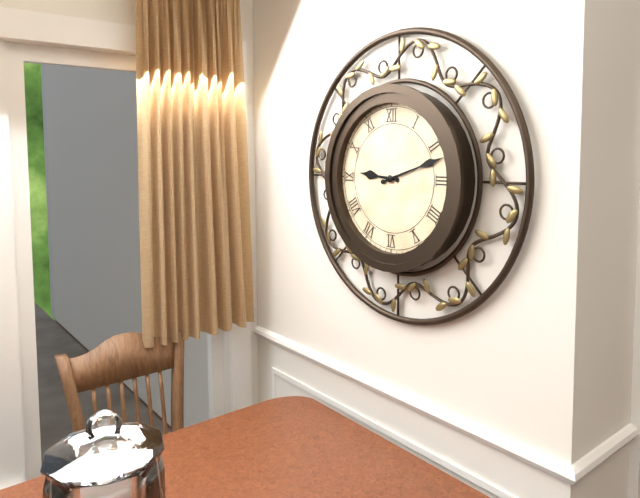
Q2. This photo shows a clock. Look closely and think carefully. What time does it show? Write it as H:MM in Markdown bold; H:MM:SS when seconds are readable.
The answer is **9:12**
